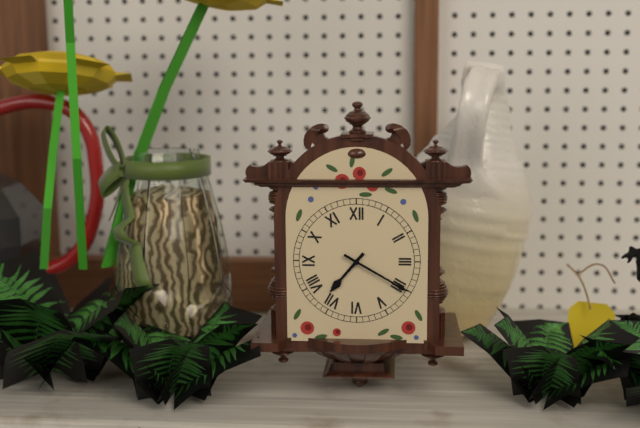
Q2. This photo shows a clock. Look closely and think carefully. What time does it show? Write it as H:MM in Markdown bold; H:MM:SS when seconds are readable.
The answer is **7:20**
